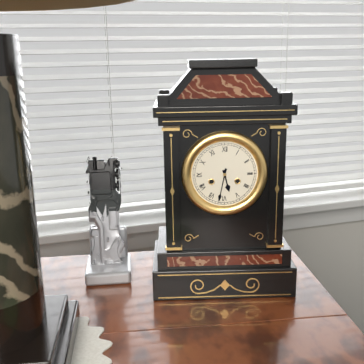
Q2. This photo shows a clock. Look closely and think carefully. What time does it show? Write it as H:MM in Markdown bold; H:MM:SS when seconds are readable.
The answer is **5:32**
